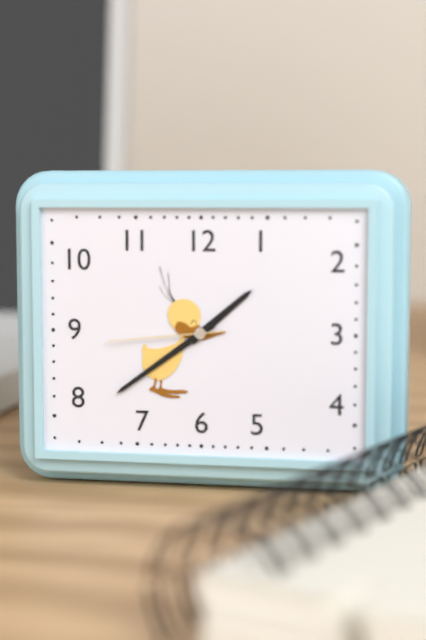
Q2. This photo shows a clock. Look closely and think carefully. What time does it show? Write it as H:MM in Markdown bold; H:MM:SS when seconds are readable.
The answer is **1:39:44**
